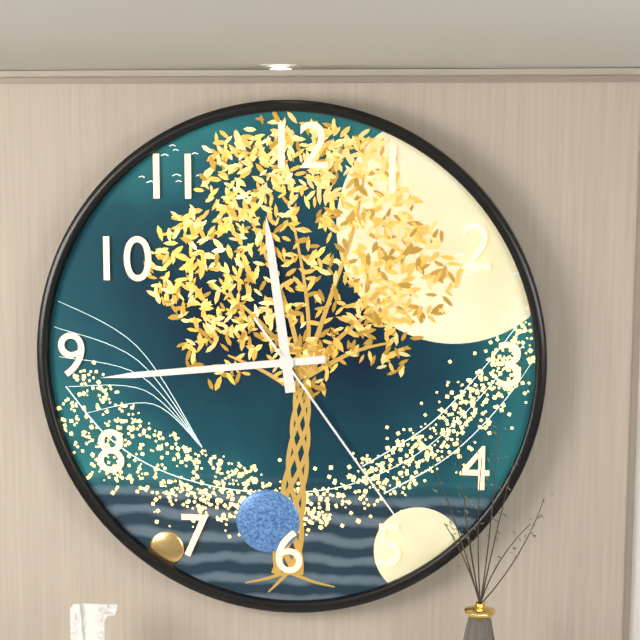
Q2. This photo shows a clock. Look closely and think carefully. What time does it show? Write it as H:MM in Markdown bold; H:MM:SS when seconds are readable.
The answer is **11:44:24**
